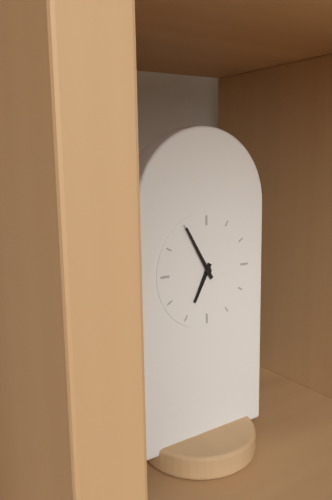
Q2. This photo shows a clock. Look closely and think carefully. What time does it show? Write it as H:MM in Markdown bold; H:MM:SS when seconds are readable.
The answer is **6:55**
